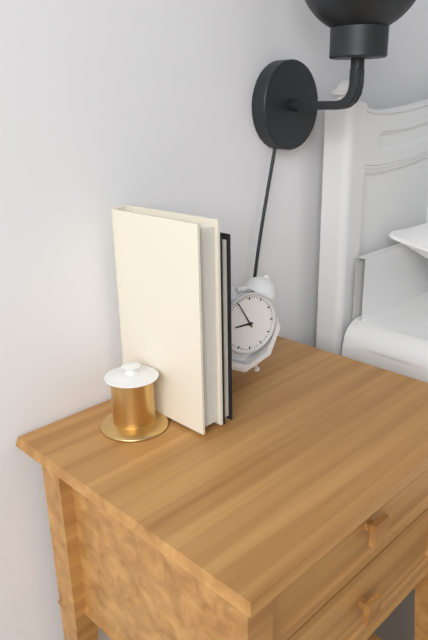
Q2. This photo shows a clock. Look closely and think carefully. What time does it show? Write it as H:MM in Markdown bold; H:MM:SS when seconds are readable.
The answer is **8:55**
